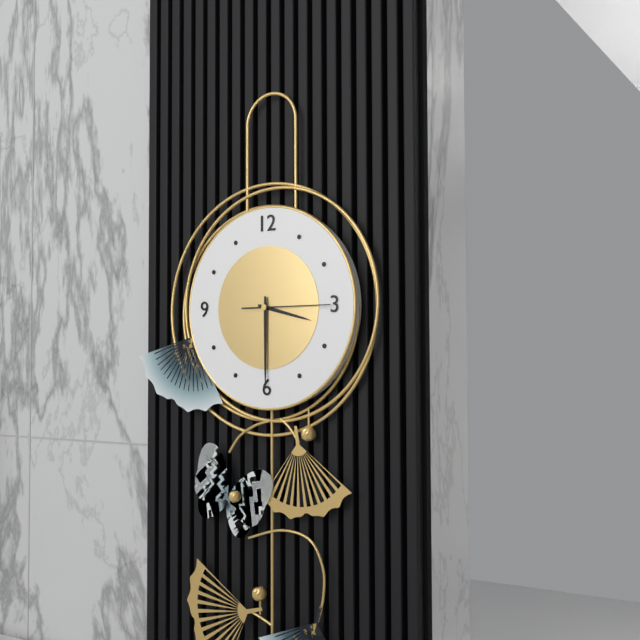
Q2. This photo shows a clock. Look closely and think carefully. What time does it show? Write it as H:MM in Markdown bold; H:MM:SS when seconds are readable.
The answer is **3:30:15**
